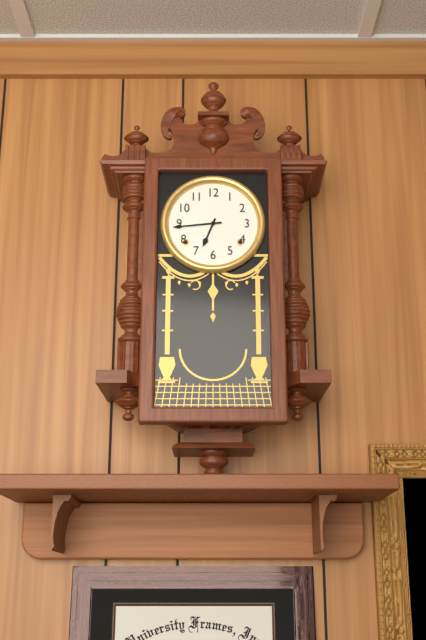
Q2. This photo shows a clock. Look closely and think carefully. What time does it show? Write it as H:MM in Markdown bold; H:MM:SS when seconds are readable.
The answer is **6:44**
